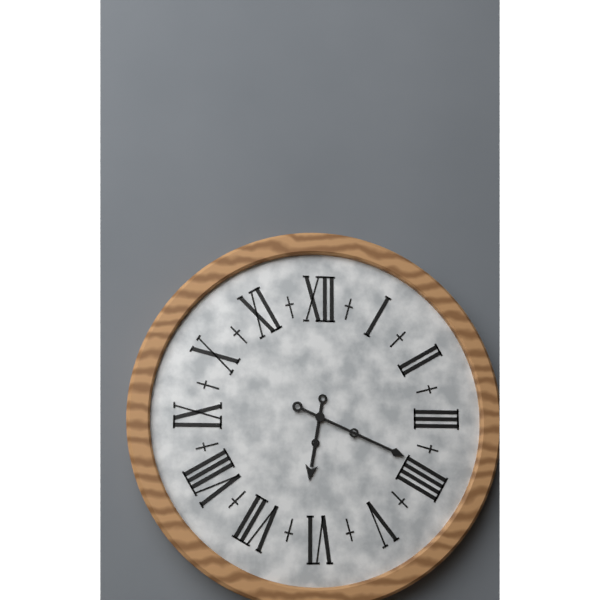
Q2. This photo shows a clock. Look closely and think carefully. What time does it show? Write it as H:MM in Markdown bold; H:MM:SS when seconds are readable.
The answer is **6:19**
